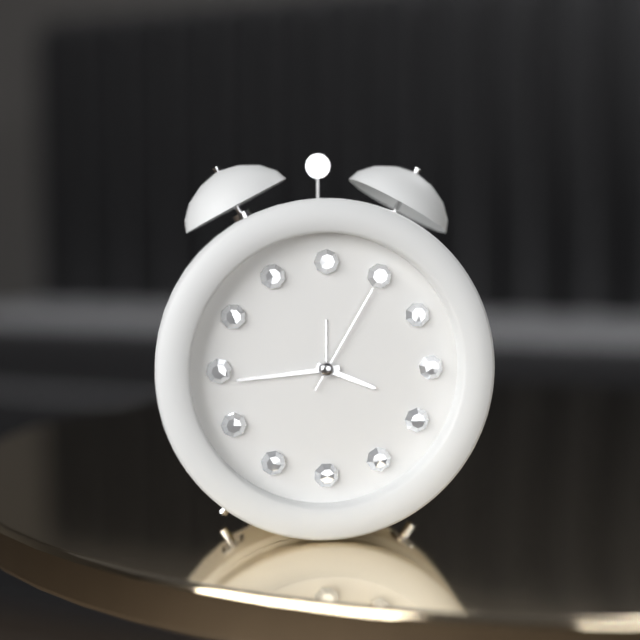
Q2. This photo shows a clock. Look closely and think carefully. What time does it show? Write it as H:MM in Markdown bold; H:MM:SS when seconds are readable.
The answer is **3:44:05**
